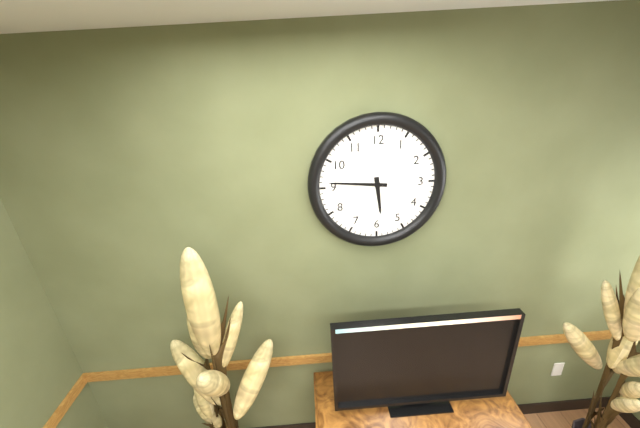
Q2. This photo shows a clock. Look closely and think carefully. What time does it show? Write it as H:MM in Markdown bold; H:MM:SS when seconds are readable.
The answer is **5:46**
